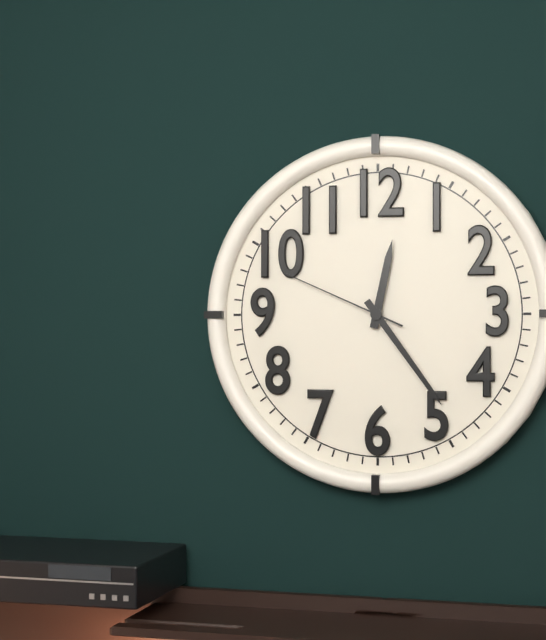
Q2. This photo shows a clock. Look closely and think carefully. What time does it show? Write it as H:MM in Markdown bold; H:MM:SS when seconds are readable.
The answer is **12:24:49**
